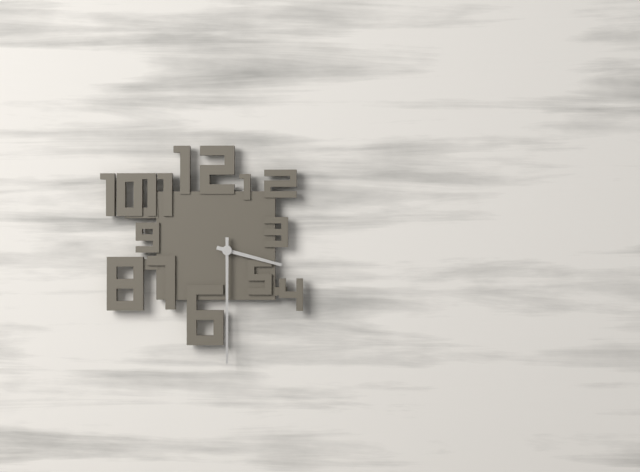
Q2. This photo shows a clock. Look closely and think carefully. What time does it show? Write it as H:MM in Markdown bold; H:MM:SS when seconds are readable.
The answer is **3:30**
